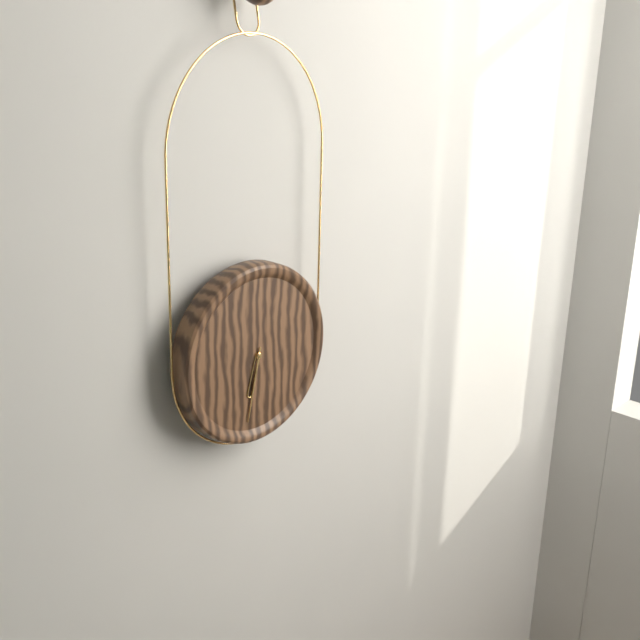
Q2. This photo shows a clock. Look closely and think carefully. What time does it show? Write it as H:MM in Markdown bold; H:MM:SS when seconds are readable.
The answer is **6:32**
